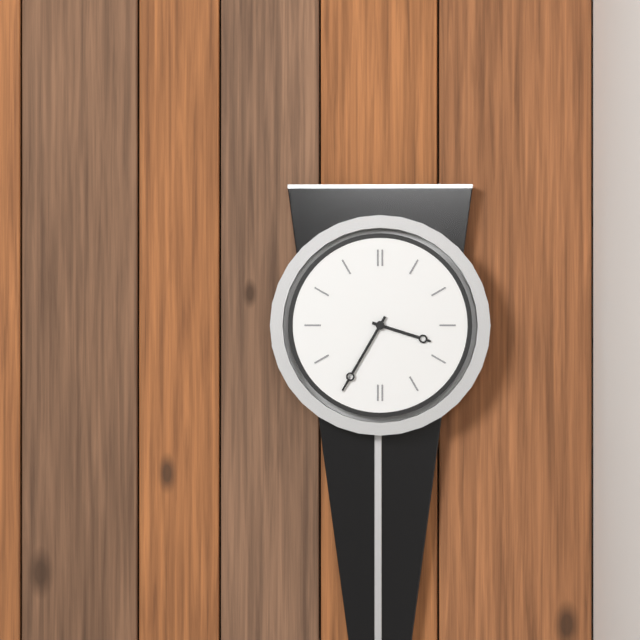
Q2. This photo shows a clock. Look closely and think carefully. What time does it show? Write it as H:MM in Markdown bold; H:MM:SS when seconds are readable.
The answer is **3:35**
